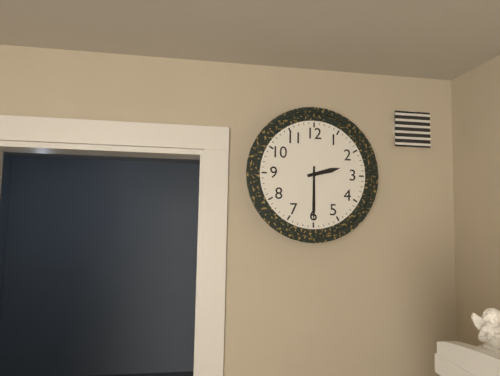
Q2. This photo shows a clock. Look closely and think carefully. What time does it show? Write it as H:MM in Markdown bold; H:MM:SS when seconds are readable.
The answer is **2:30**
